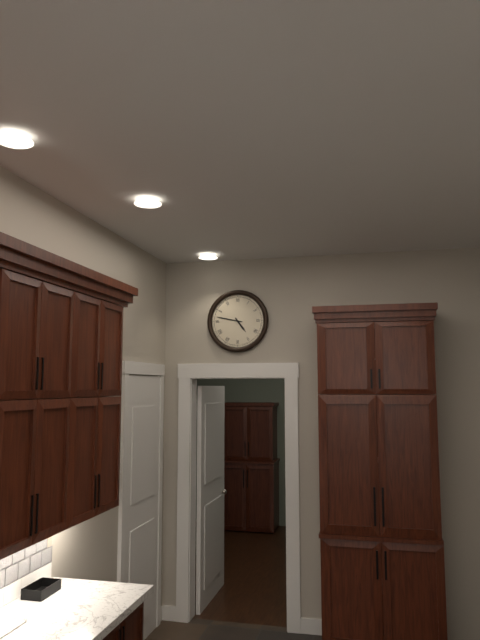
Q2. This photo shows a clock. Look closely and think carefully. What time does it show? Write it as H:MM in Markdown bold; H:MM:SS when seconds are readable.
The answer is **4:47**
